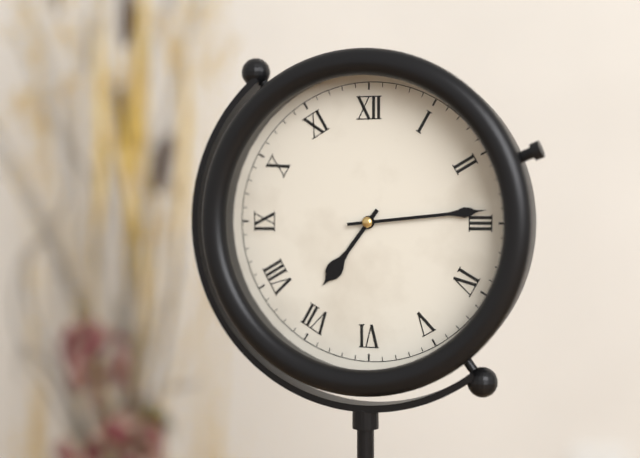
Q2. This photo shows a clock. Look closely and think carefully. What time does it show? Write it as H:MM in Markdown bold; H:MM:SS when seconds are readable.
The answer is **7:14**
